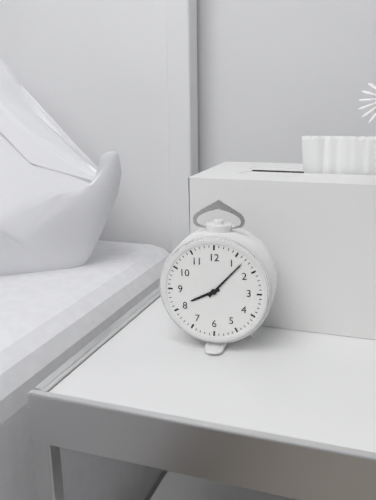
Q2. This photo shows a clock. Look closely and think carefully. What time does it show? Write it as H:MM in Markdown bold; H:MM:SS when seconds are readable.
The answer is **8:07**
